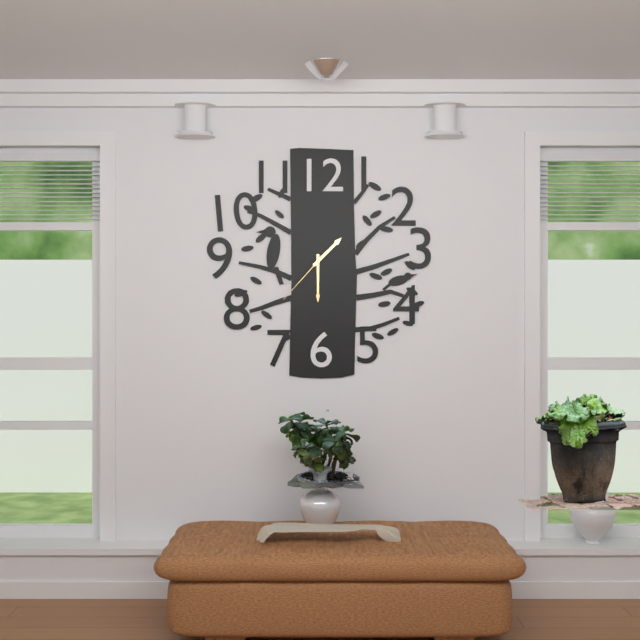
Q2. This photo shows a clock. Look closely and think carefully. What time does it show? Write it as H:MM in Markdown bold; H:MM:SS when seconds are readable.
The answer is **1:30:37**
